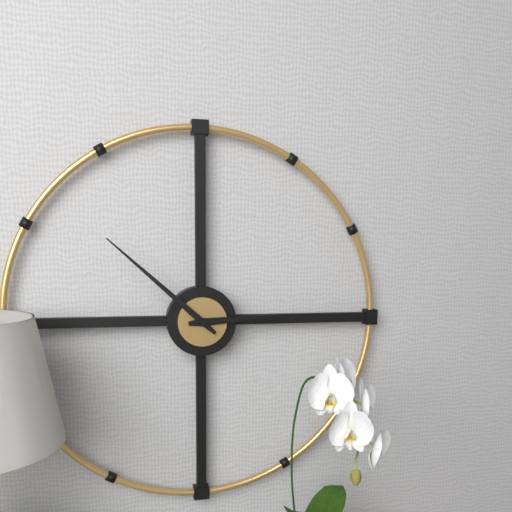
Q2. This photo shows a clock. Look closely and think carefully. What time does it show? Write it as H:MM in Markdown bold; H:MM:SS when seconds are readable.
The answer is **2:52**
